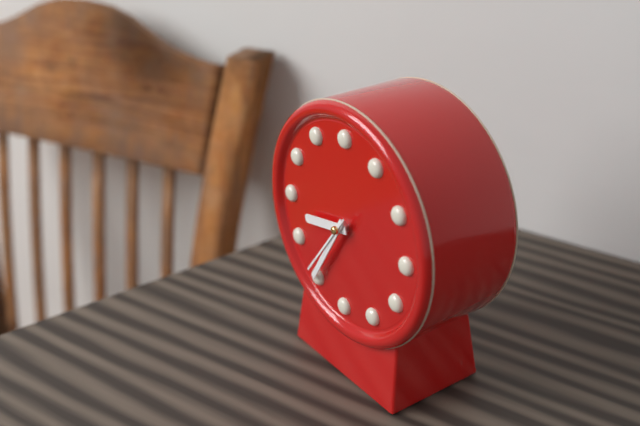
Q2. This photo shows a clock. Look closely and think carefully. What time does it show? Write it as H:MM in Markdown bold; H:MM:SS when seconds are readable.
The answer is **8:35:36**
